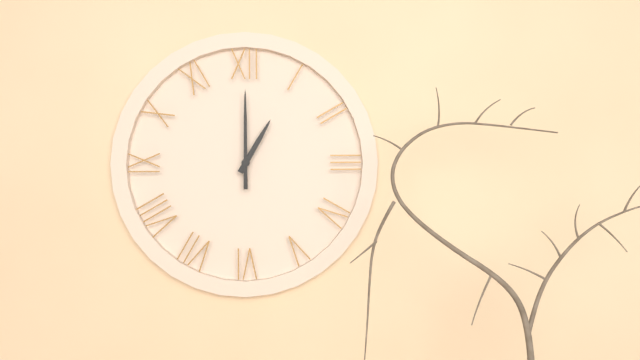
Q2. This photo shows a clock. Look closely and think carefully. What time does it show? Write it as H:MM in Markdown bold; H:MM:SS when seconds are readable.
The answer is **1:00**
